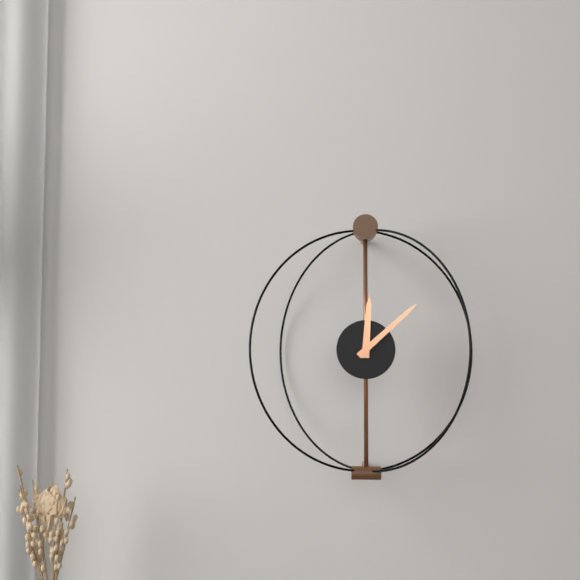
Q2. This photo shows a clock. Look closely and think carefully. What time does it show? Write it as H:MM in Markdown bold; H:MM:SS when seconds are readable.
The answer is **12:08**
